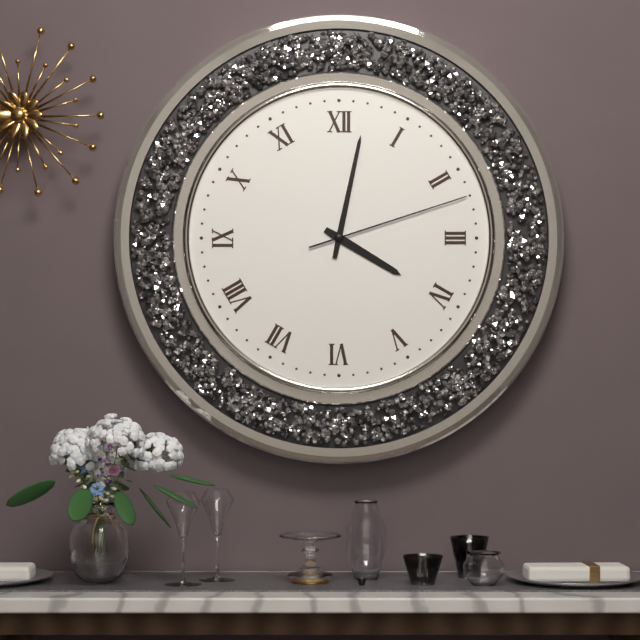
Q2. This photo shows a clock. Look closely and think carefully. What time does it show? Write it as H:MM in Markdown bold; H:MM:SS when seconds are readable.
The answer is **4:02:12**
